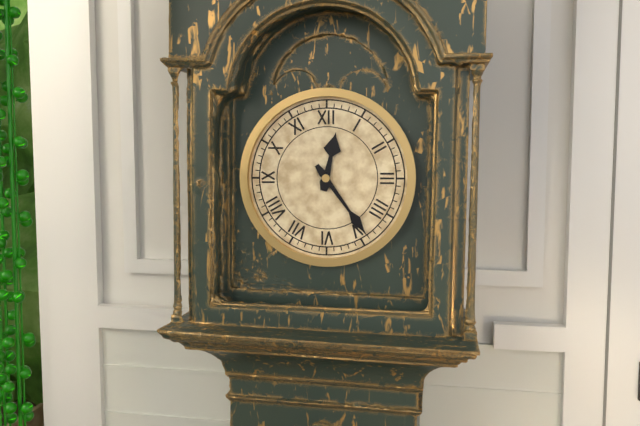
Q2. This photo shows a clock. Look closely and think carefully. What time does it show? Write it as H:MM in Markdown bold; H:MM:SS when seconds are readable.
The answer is **12:24**
